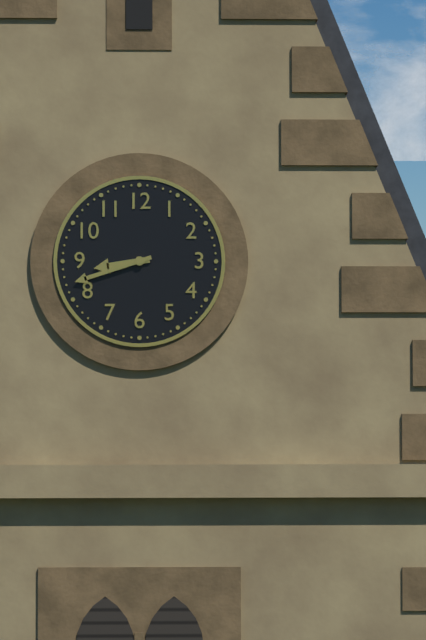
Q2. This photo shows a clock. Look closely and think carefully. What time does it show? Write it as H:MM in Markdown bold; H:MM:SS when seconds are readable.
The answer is **8:42**
